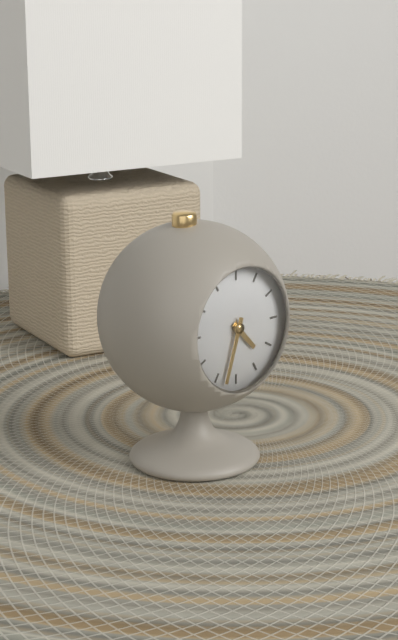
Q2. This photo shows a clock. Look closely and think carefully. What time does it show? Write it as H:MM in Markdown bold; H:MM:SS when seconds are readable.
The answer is **4:33**
